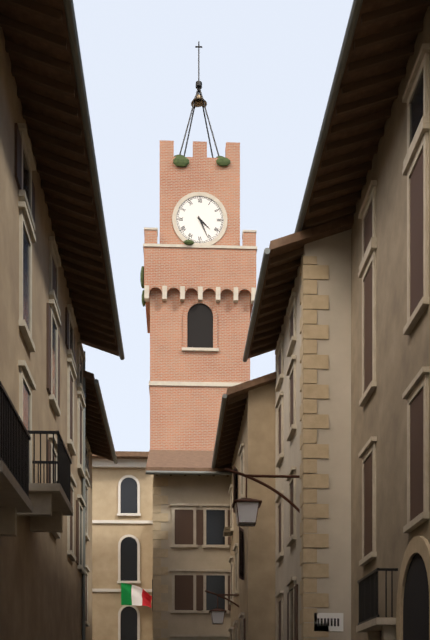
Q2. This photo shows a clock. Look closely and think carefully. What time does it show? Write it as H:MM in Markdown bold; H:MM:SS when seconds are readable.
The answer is **4:26**
